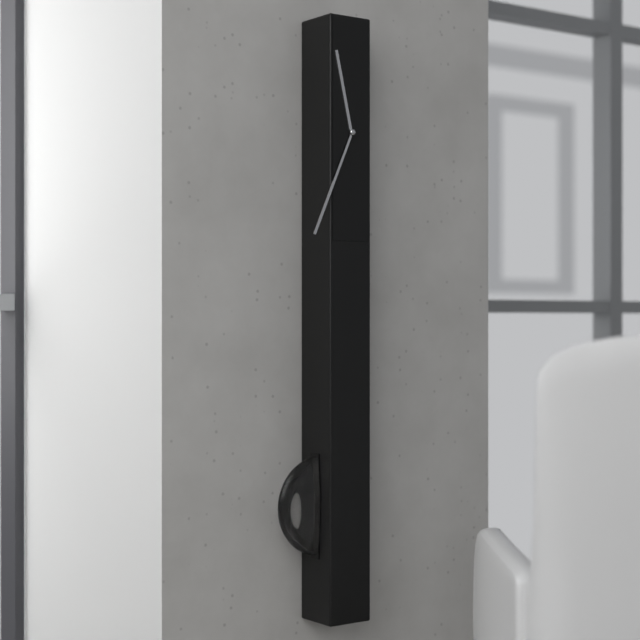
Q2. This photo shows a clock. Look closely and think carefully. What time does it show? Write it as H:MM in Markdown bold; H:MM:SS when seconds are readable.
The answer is **11:34**
